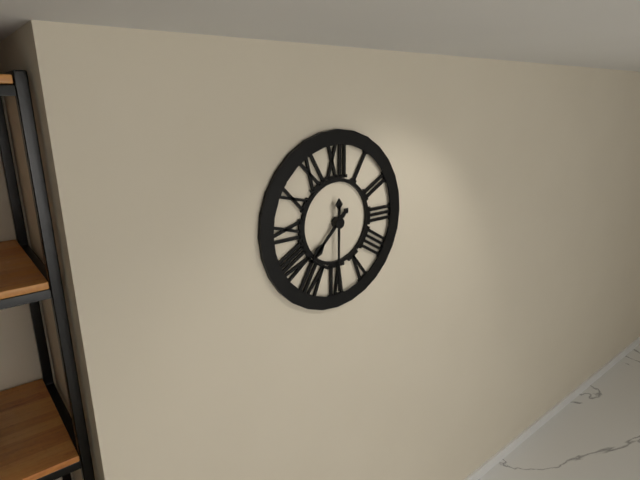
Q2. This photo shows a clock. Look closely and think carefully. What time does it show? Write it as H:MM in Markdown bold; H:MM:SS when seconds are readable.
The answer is **7:30**
